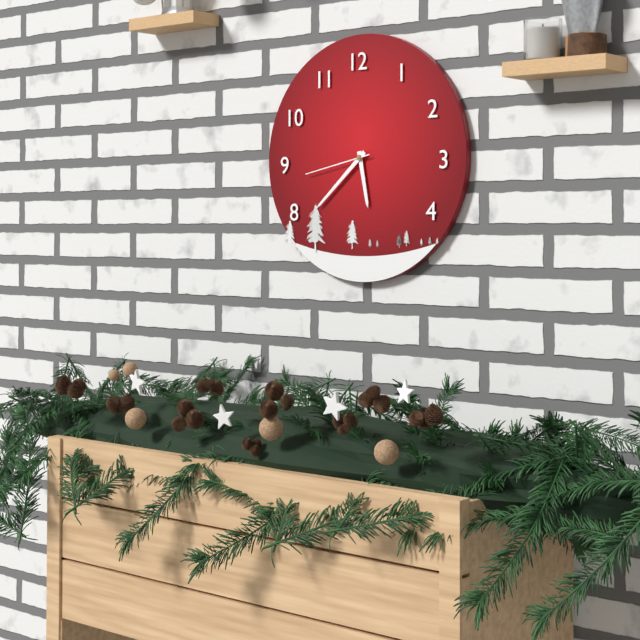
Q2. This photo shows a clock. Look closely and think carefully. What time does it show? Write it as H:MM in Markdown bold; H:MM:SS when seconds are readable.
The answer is **5:38:43**
